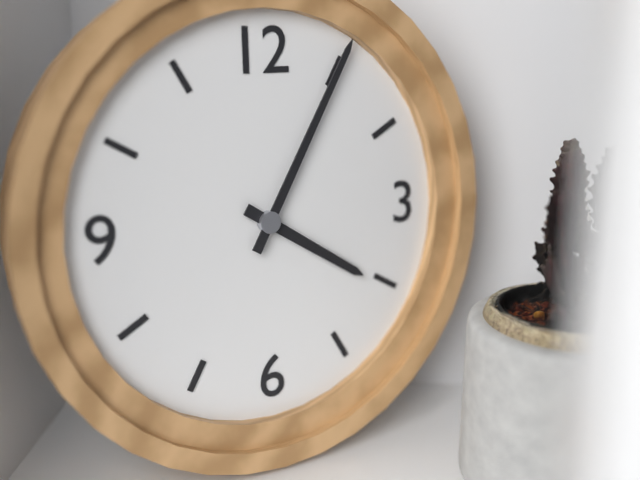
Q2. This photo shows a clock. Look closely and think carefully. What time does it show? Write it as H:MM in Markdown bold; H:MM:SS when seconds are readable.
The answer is **4:05**
